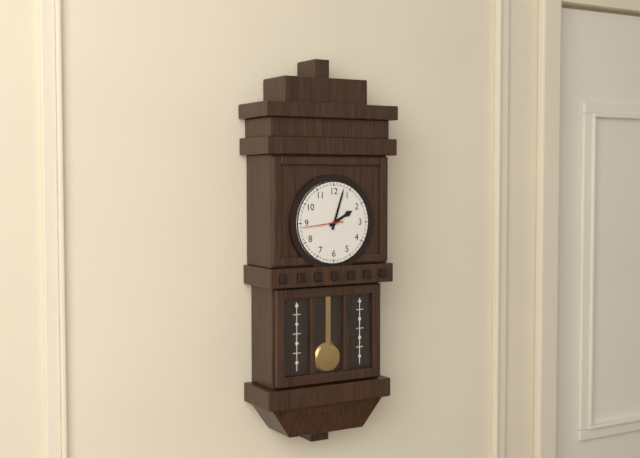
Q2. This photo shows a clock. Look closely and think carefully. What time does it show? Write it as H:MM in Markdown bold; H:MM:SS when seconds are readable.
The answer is **2:03**
